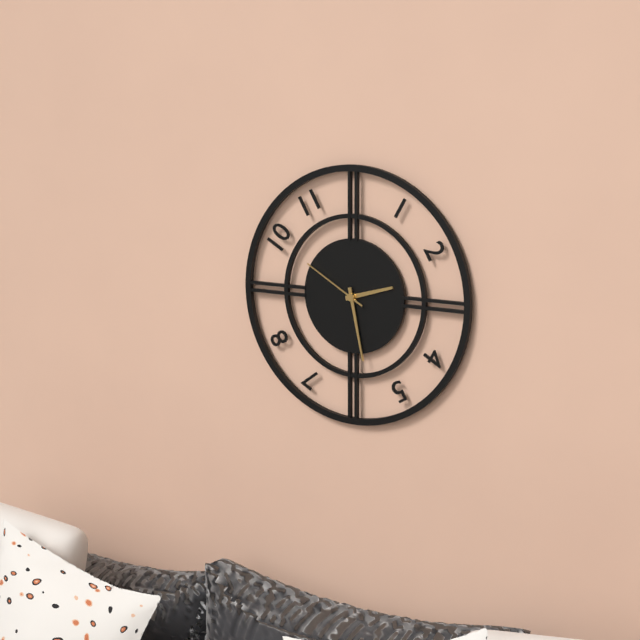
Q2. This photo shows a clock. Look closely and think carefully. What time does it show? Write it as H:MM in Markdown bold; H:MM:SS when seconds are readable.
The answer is **2:28:50**
